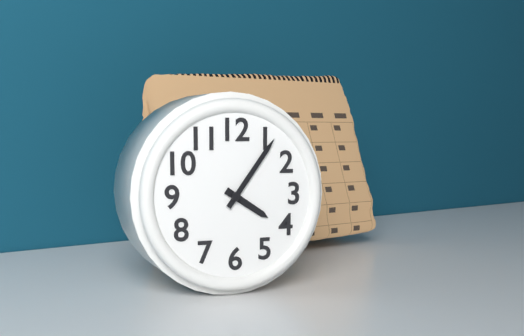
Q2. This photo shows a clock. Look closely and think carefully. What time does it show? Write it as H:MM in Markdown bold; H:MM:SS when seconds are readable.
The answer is **4:06**
